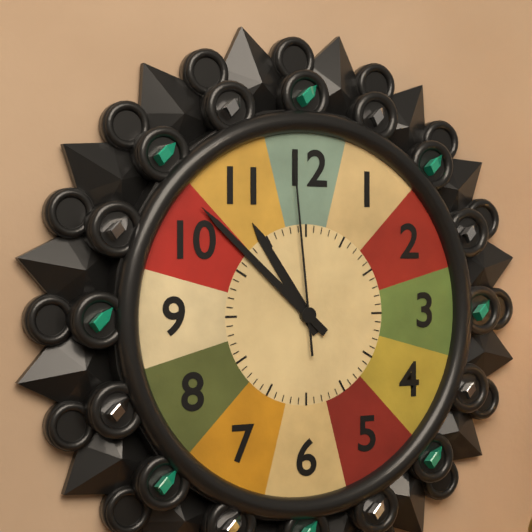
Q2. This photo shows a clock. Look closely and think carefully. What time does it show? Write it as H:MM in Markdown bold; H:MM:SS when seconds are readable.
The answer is **10:52:59**
